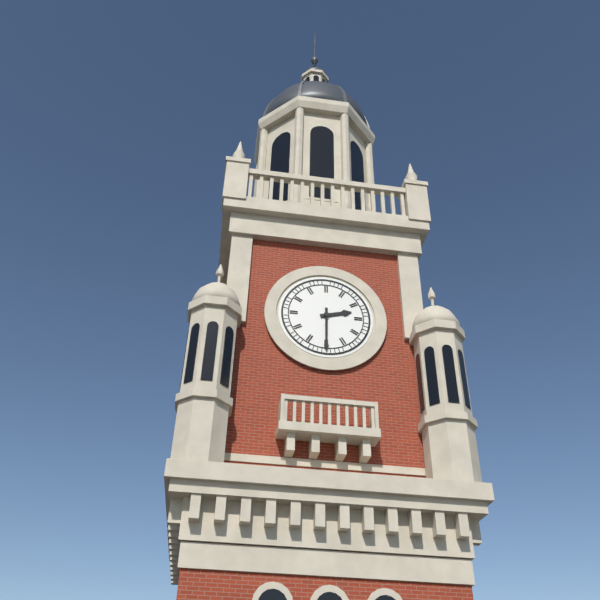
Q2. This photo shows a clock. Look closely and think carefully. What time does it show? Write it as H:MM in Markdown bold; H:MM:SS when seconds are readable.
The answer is **2:30**
